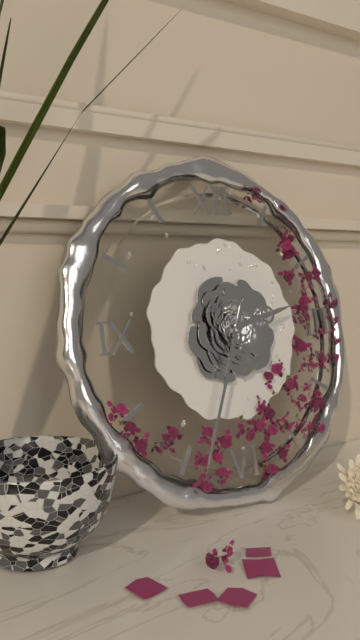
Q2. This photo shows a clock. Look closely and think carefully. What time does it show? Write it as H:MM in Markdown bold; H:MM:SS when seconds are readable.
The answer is **2:34**
